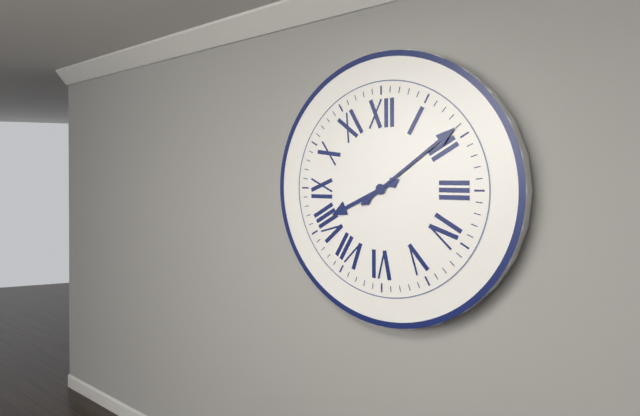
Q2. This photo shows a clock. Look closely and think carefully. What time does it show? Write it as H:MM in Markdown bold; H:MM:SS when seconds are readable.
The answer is **8:09**
